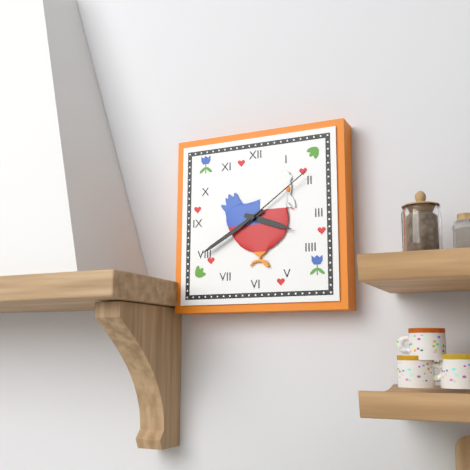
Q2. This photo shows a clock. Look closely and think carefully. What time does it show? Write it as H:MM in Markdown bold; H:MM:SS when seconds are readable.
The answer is **3:40:09**
